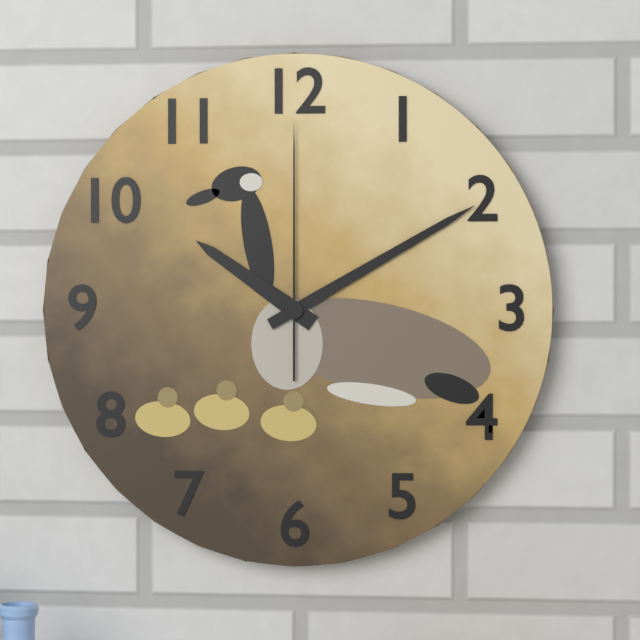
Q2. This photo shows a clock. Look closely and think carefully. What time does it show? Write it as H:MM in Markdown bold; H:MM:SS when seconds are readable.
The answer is **10:10:00**
